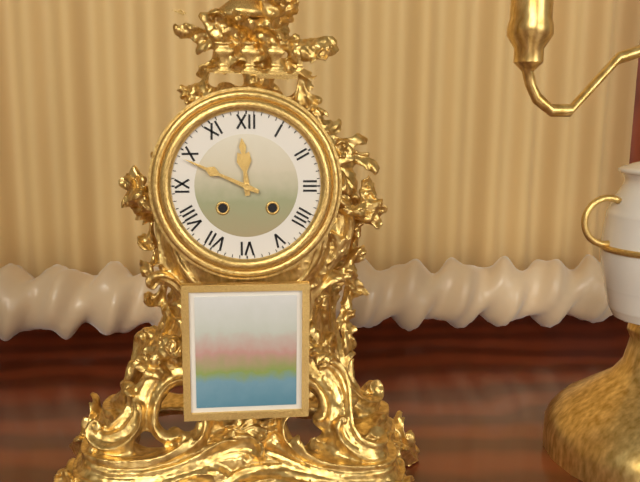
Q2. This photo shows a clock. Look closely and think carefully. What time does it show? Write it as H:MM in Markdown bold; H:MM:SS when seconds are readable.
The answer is **11:49**
